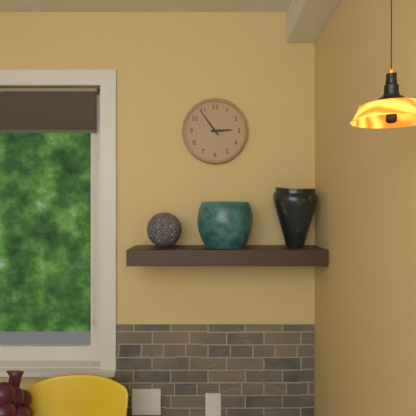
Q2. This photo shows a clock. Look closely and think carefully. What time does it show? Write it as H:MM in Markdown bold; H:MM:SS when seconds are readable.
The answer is **2:54**
